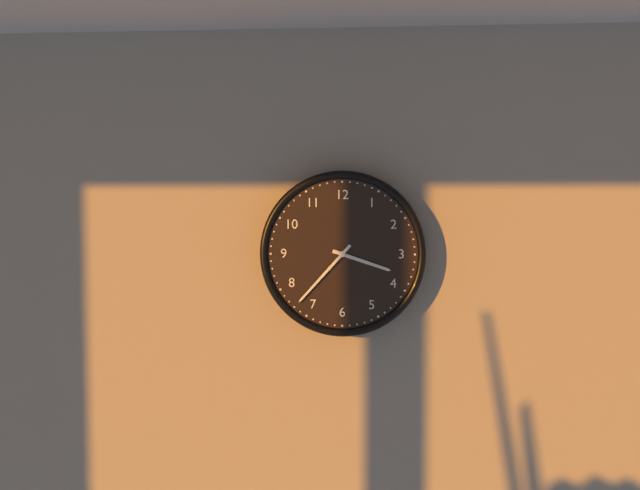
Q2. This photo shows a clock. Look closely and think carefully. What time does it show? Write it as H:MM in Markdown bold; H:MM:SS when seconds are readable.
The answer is **3:37**
